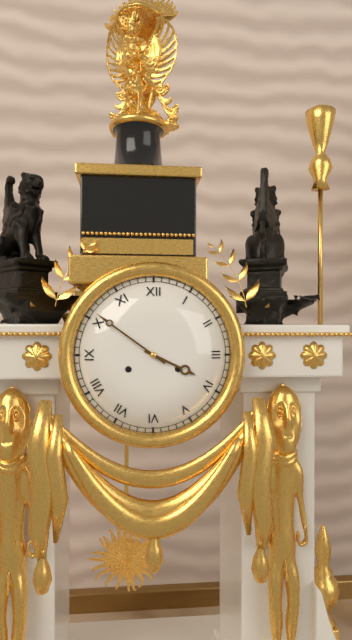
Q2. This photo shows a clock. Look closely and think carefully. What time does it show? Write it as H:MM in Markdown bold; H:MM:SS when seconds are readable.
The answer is **3:51**
